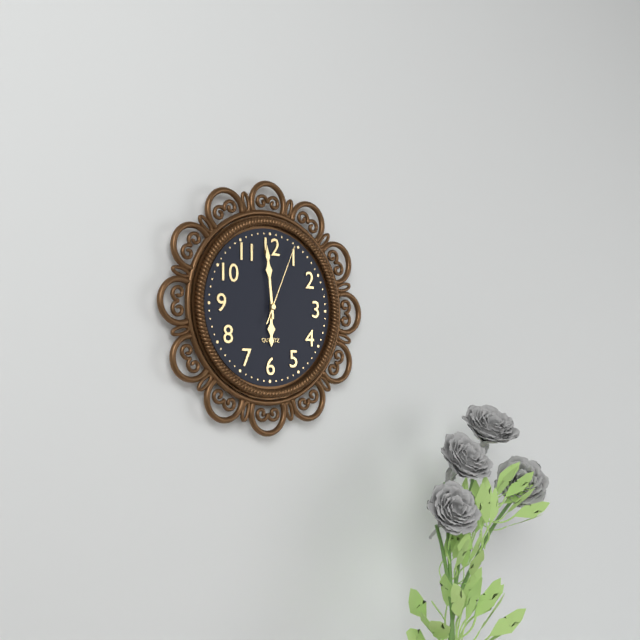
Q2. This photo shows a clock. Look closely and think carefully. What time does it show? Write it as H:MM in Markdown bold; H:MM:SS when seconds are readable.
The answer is **5:59:04**
